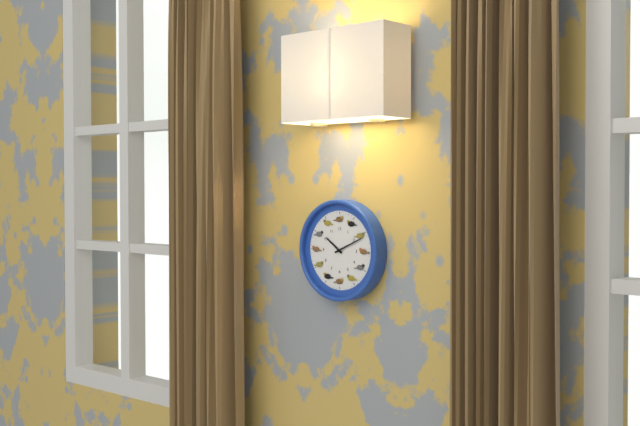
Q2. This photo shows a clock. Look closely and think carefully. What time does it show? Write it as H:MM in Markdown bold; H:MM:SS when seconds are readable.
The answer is **10:11**
